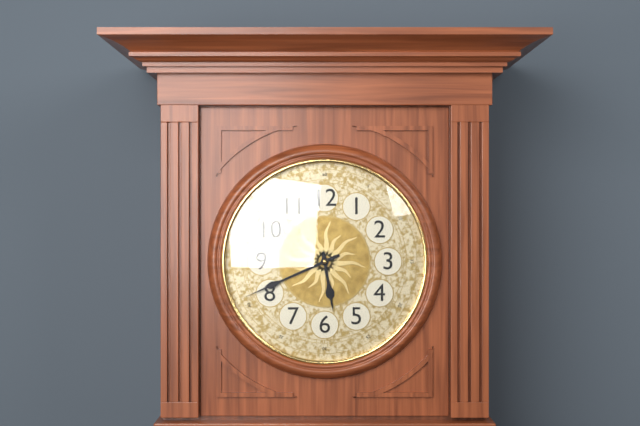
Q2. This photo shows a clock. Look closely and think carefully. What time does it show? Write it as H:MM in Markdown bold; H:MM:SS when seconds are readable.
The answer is **5:41**
